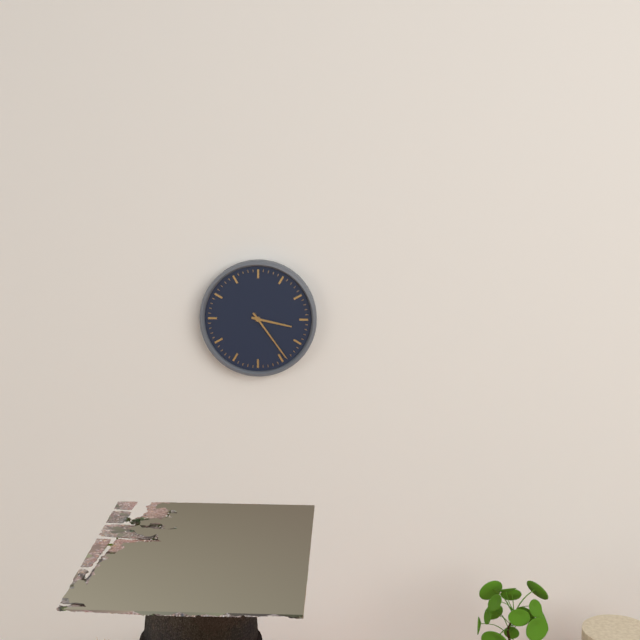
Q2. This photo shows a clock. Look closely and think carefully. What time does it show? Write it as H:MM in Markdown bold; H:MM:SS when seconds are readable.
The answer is **3:24**
